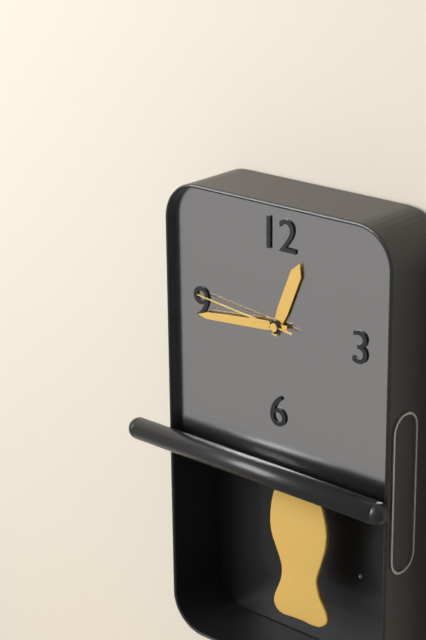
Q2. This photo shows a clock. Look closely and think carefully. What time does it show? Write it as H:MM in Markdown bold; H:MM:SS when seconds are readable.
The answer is **12:44:46**
